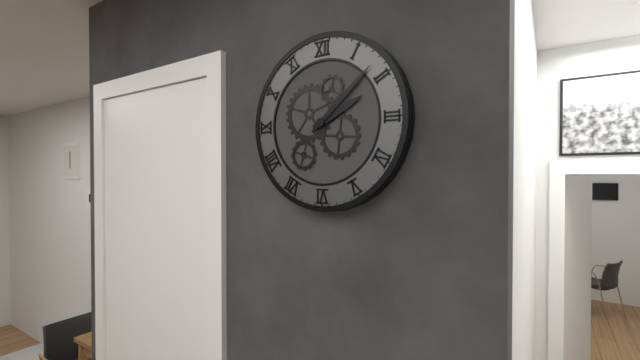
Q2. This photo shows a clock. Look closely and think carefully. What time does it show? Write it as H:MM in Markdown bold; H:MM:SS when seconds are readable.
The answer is **2:08**
